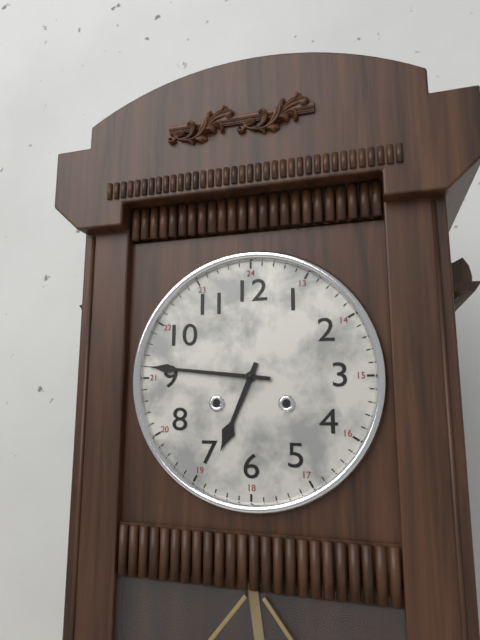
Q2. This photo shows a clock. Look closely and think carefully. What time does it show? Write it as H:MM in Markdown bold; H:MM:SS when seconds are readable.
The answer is **6:46**
